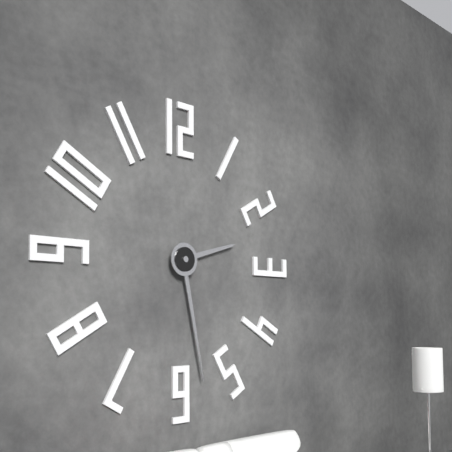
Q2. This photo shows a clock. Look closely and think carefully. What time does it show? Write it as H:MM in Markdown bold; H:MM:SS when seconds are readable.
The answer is **2:28**
